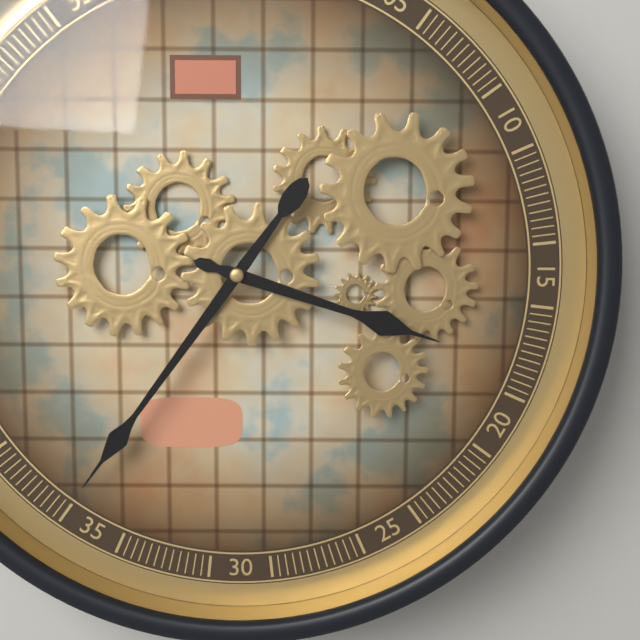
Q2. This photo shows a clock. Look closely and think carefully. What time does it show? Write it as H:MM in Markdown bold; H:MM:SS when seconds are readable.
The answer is **3:36**
